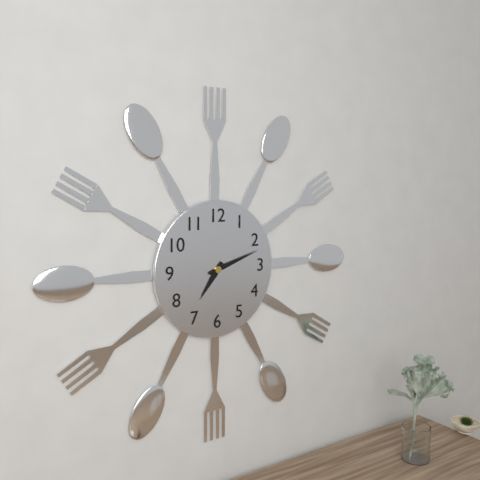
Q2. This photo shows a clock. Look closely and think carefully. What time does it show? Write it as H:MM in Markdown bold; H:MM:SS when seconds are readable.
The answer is **7:12**
